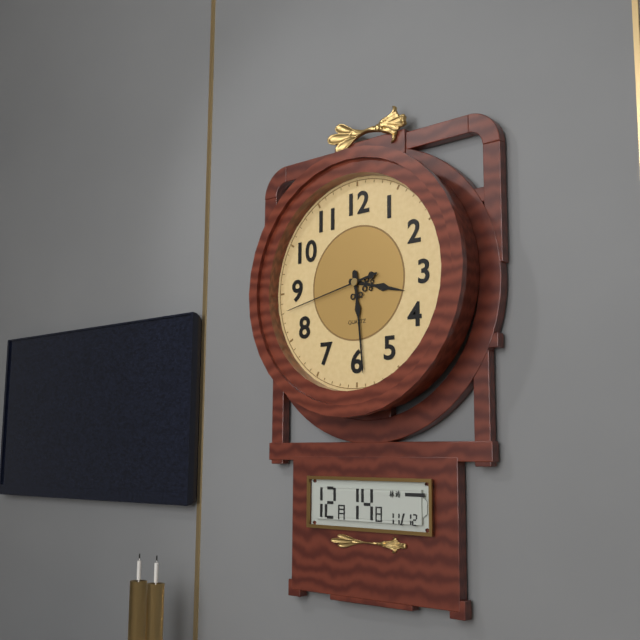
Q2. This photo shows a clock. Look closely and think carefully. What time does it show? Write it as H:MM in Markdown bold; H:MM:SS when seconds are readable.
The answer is **3:29:43**
